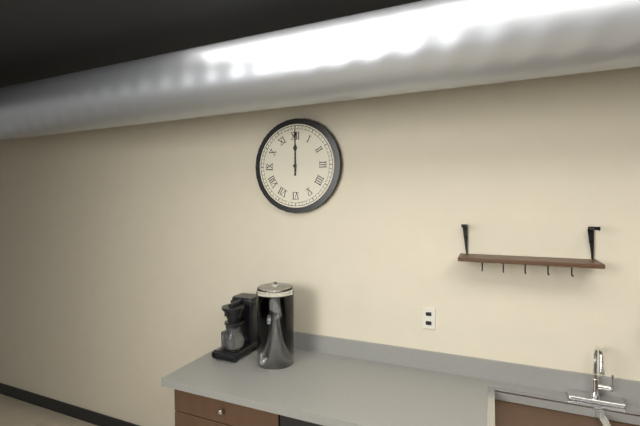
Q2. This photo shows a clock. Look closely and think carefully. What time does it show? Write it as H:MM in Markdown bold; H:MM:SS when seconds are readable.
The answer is **12:00**
